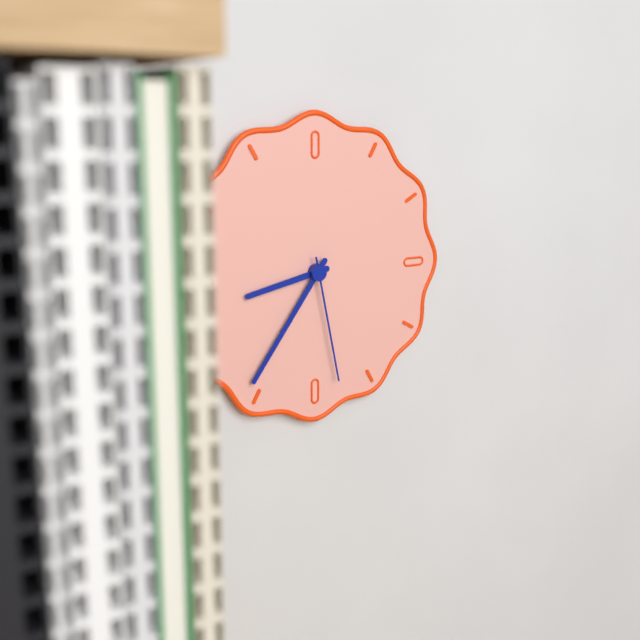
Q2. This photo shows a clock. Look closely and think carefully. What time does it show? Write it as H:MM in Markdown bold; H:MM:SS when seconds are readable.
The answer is **8:36:28**
